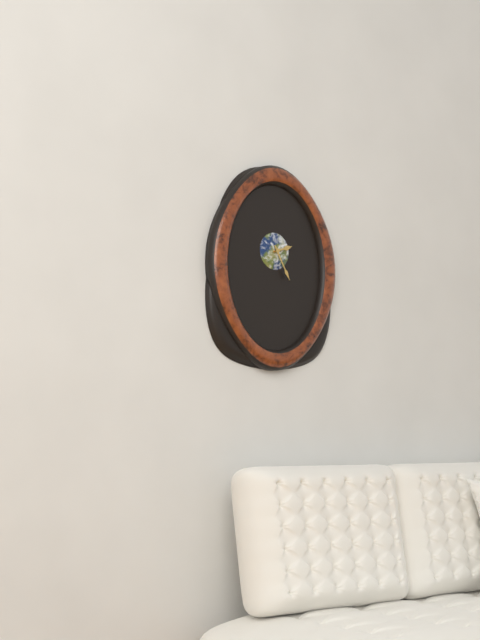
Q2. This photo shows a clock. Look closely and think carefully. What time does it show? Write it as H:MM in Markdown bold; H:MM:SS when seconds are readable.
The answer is **2:25**
